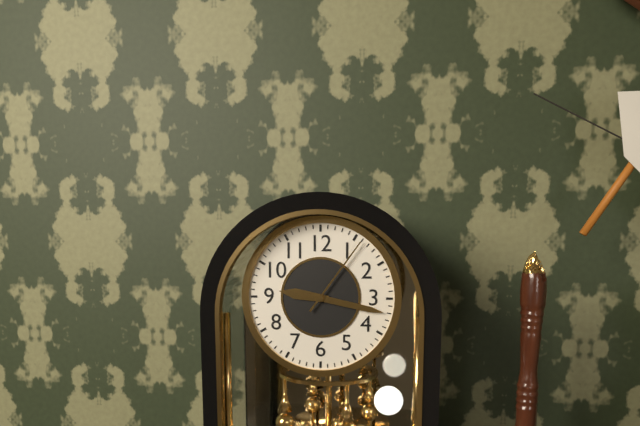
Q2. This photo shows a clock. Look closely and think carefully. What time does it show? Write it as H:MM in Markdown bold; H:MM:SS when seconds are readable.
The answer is **9:17:06**
